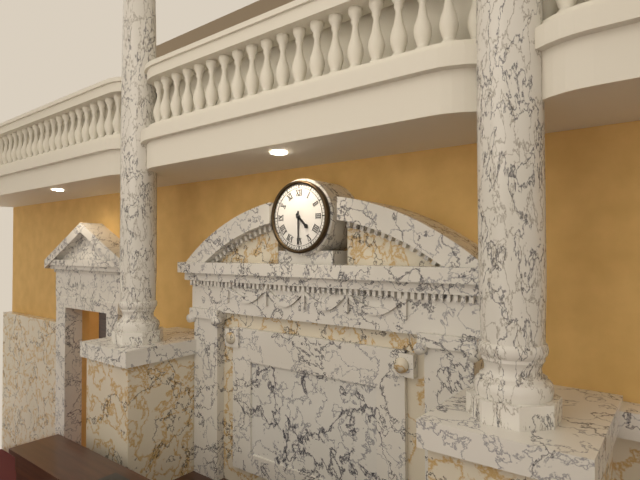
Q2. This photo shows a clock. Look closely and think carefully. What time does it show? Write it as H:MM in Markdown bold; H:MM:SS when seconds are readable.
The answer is **4:30**
